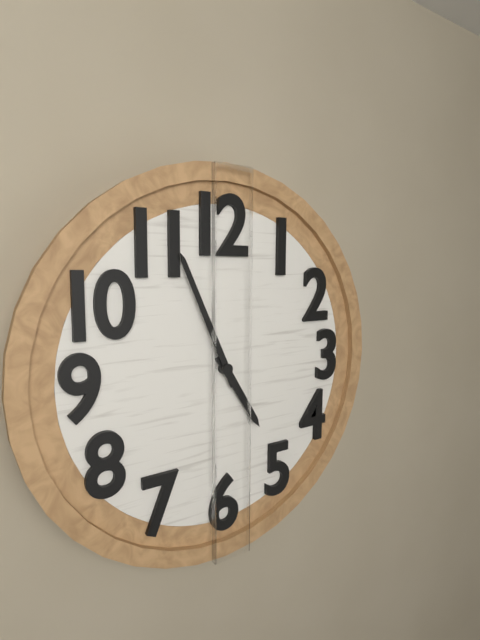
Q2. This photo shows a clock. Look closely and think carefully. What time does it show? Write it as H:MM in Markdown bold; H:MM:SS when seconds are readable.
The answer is **4:56**
